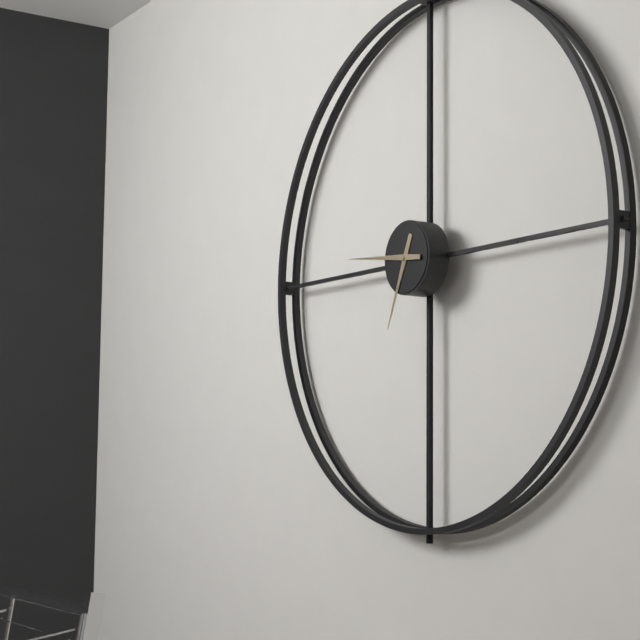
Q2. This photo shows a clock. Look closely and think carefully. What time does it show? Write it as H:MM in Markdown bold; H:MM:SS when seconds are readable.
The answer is **6:46**
